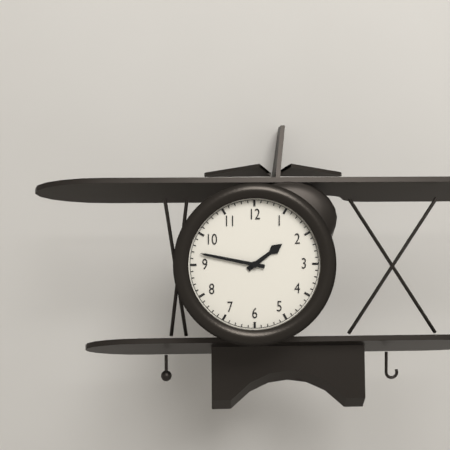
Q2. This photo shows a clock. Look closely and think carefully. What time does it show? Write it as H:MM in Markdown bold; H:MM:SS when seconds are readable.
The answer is **1:47**
